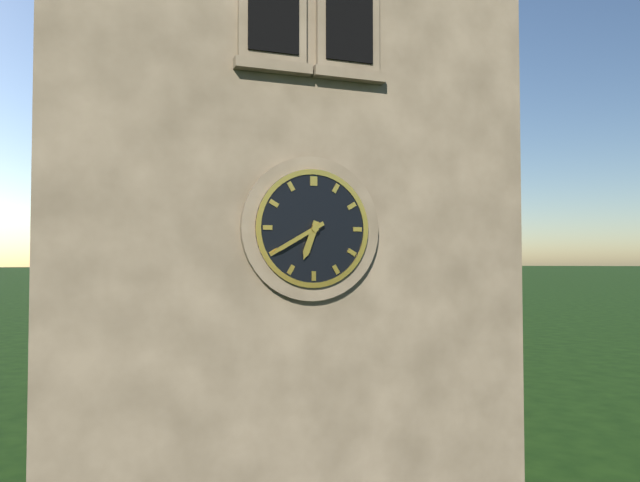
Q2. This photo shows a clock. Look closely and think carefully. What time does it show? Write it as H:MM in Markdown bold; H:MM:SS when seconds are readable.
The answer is **6:40**
